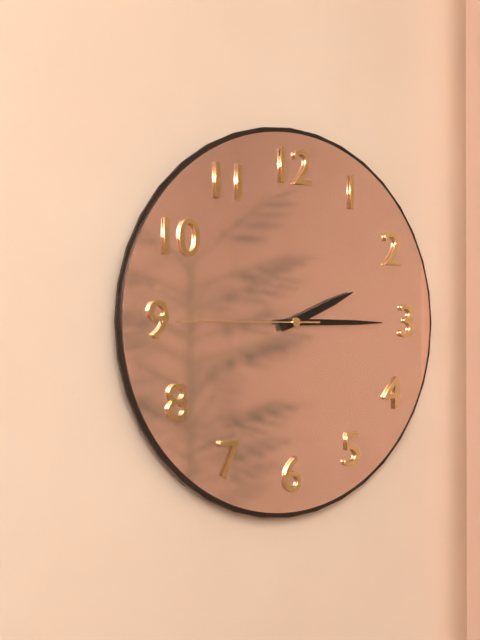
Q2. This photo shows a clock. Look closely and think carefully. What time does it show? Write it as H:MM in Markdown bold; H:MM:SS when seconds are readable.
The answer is **2:15:45**
